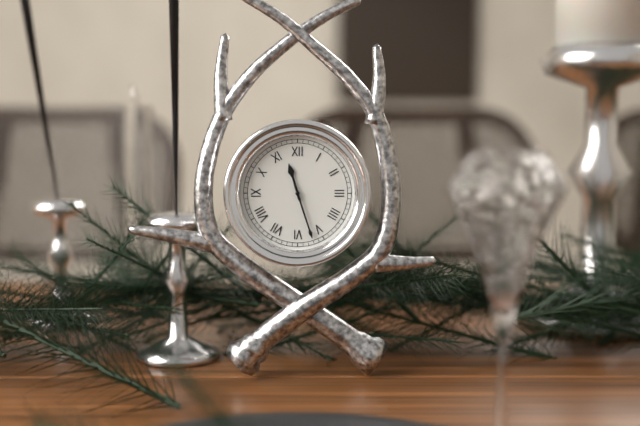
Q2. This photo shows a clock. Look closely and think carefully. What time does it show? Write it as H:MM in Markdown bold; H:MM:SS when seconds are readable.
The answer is **11:27**
